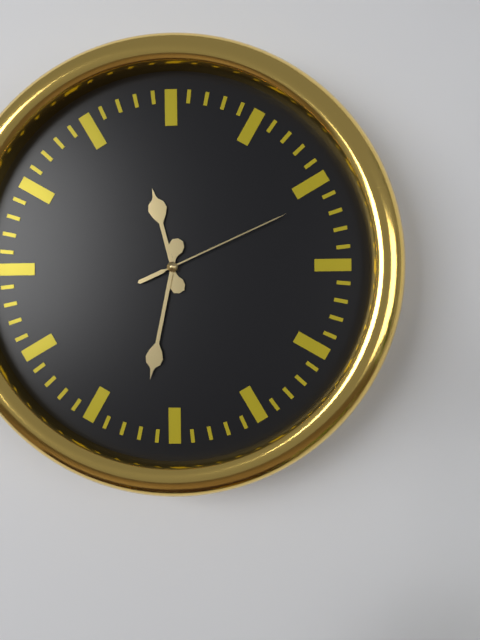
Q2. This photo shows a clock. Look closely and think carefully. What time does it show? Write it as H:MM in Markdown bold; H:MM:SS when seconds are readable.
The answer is **11:32:11**
